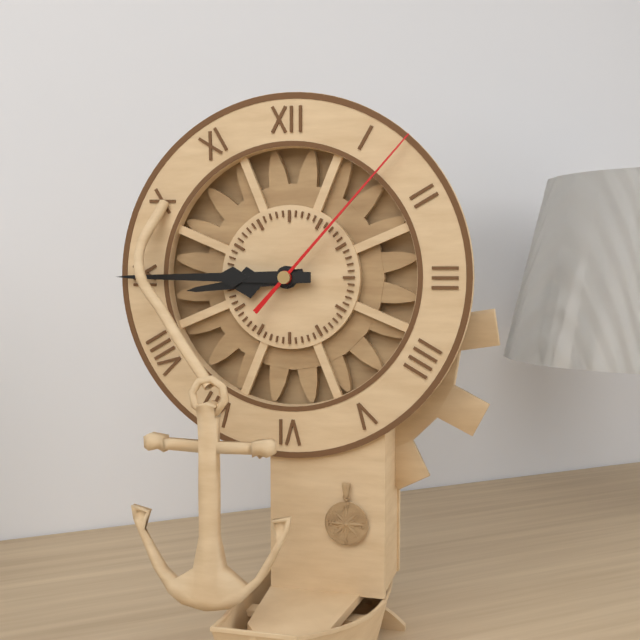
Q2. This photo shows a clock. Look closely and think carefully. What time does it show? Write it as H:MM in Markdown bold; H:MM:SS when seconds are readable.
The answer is **8:45:07**
